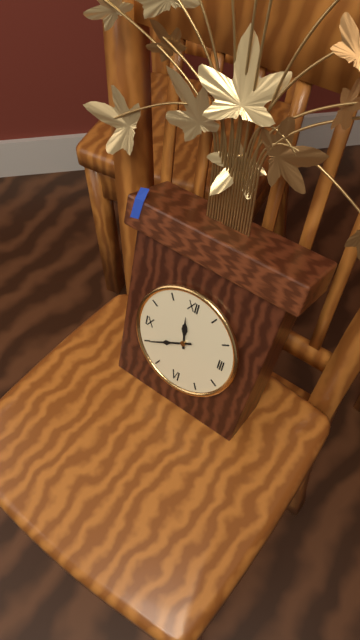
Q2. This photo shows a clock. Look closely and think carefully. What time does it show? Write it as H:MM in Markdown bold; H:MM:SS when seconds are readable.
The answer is **11:40**
